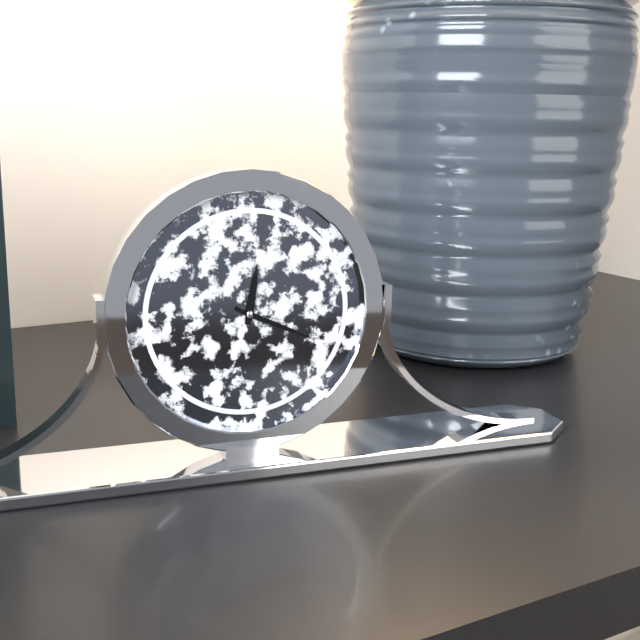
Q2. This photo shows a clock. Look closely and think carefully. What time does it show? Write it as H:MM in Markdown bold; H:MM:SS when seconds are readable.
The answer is **12:19**
